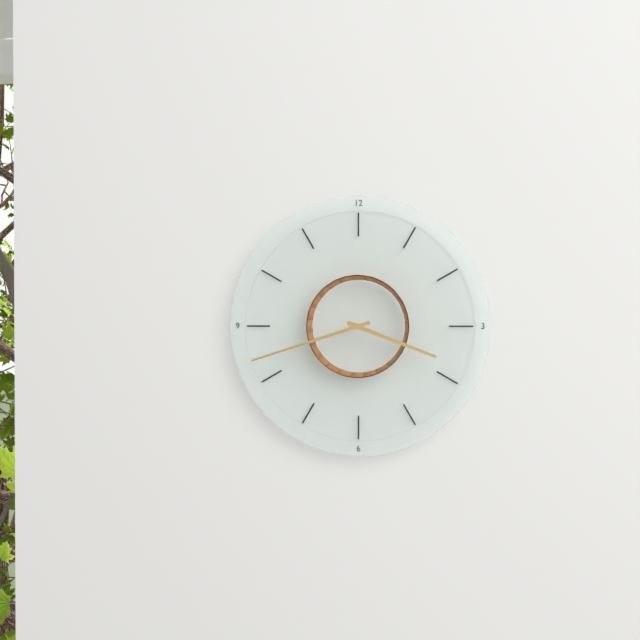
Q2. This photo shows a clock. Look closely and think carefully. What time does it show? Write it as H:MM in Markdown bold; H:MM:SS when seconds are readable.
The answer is **3:42**
